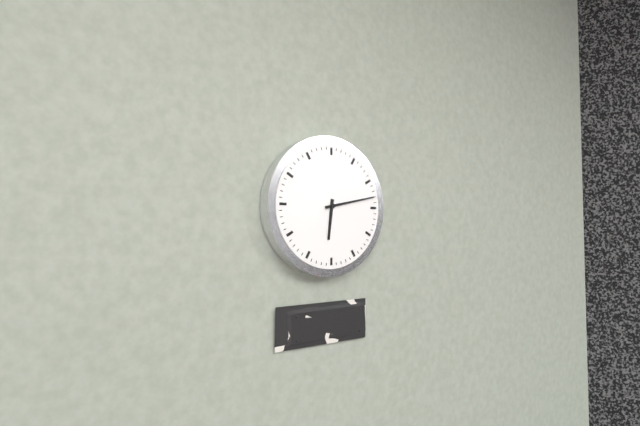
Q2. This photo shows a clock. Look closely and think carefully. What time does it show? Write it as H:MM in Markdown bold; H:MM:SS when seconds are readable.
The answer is **6:13**
